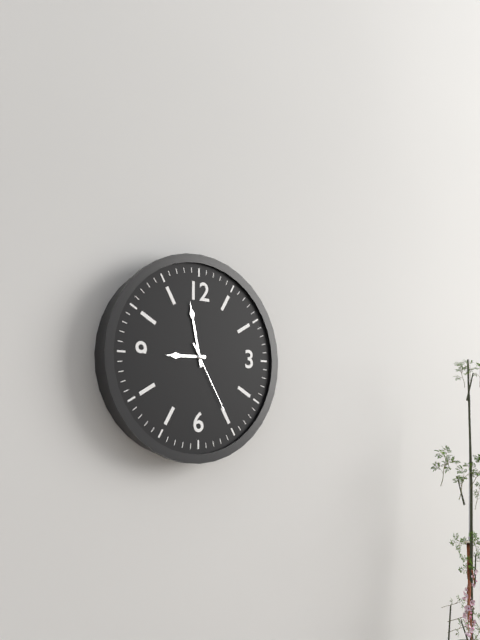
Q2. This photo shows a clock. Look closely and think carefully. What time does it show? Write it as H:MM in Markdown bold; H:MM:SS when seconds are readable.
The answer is **8:58:25**
